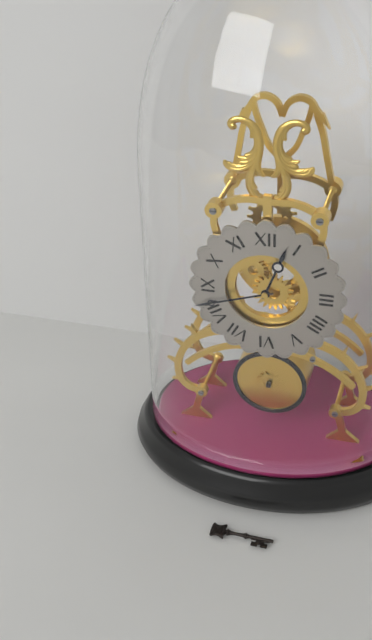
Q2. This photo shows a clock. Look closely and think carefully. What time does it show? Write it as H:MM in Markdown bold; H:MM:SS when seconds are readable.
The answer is **12:42**
